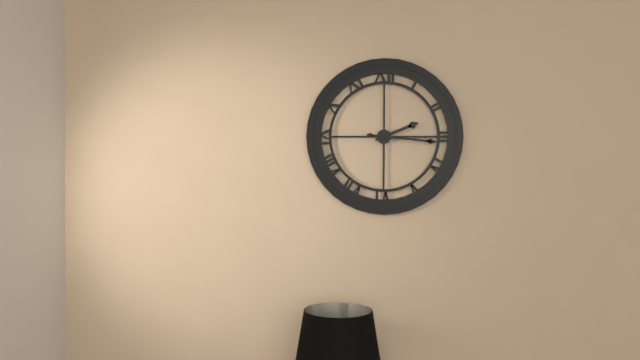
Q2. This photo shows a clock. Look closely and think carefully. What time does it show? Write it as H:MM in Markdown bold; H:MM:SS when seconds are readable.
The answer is **2:16**
